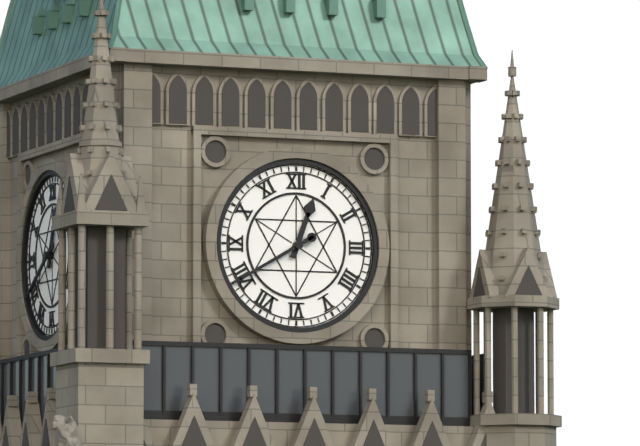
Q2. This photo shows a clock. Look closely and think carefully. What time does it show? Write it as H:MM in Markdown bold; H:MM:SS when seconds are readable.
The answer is **12:40**
